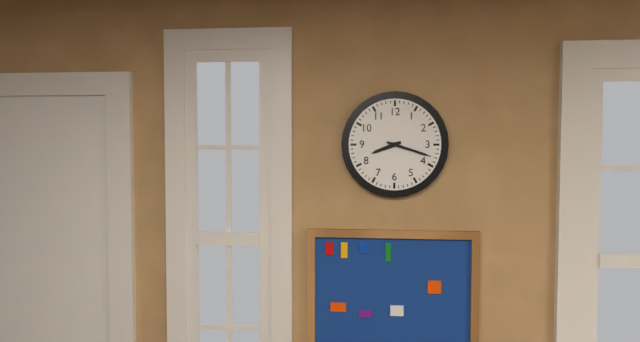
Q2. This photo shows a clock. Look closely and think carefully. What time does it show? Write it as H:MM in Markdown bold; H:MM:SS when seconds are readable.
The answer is **8:18**
